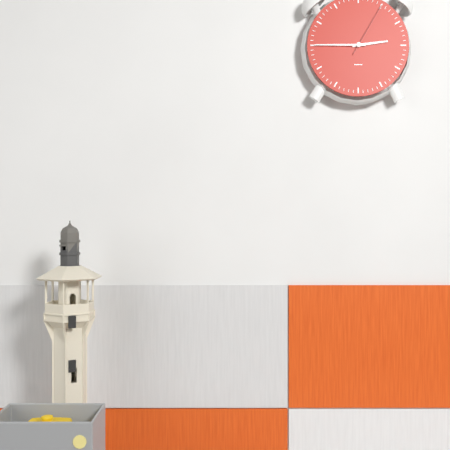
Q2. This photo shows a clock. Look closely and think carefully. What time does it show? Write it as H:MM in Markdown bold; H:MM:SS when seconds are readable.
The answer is **2:45:05**
